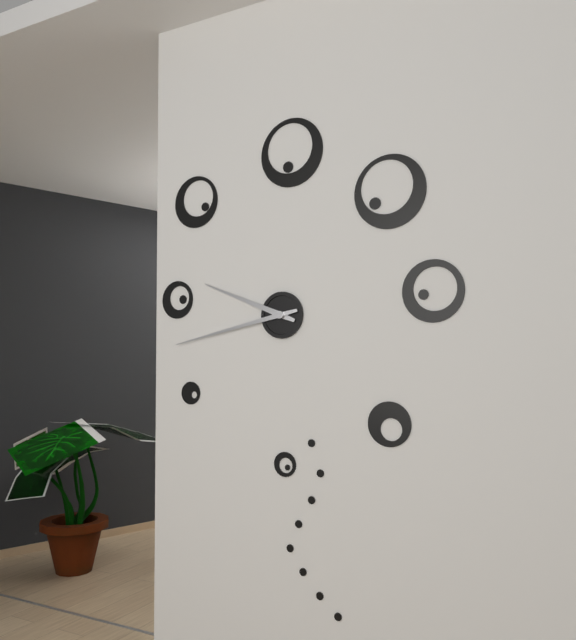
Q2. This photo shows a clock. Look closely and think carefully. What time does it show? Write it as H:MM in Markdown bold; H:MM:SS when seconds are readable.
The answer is **9:43**
